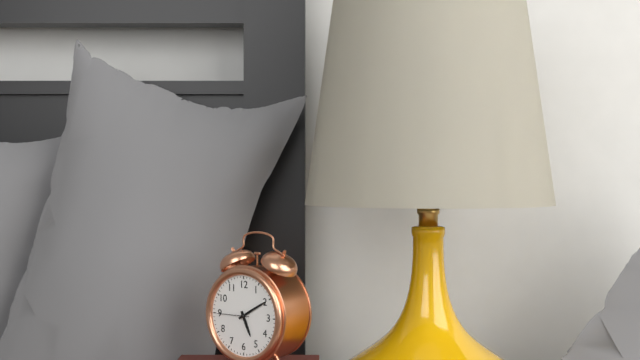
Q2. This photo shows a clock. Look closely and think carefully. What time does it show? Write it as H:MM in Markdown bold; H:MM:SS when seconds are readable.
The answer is **5:10**
